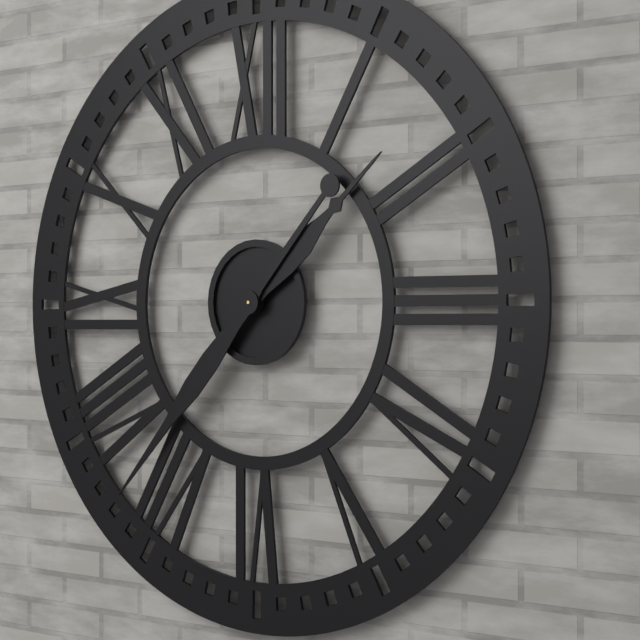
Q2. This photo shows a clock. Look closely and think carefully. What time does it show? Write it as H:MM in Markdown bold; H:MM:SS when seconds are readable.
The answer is **1:37**
